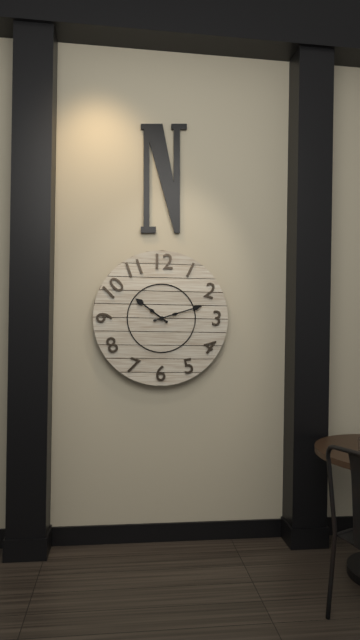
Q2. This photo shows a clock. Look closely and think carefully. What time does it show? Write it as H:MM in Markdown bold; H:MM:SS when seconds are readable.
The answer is **10:12**
